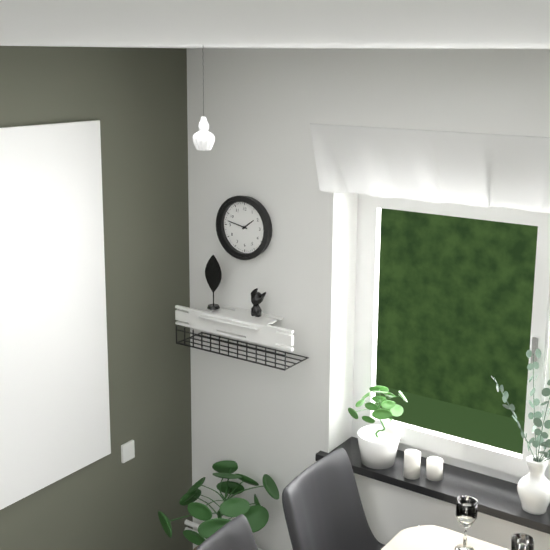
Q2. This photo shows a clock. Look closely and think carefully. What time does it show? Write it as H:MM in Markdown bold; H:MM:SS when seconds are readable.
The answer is **1:47**
